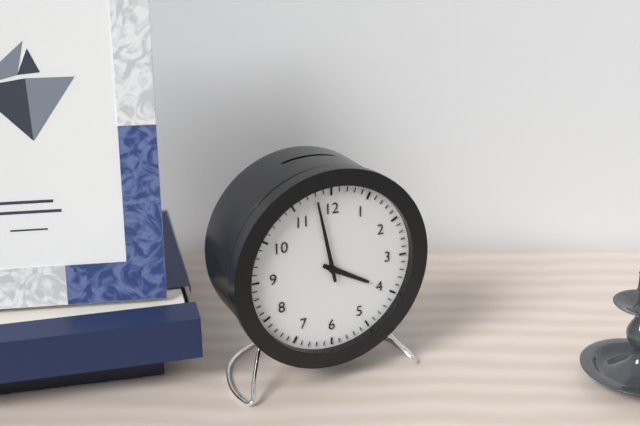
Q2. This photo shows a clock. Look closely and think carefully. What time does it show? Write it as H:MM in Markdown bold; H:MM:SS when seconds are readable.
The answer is **3:58**
